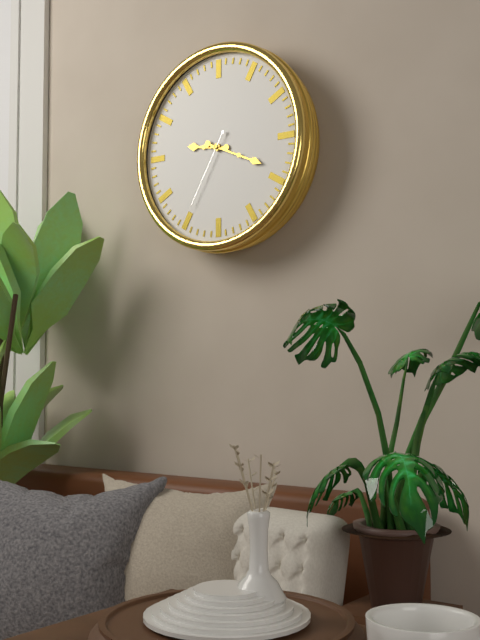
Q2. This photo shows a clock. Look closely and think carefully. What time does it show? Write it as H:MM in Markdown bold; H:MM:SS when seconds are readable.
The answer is **9:19:35**
